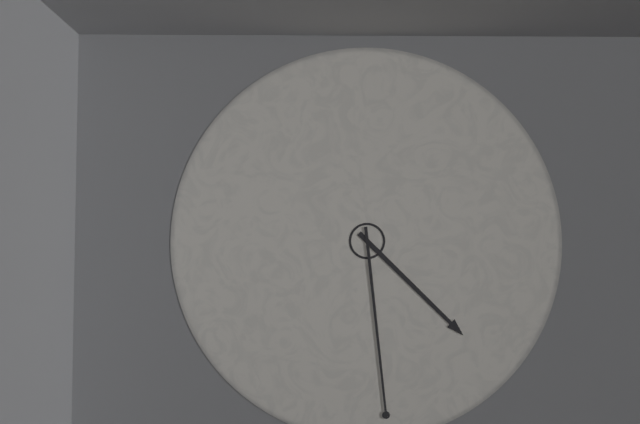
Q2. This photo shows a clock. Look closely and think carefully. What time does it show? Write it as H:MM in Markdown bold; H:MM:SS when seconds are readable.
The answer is **4:29**
